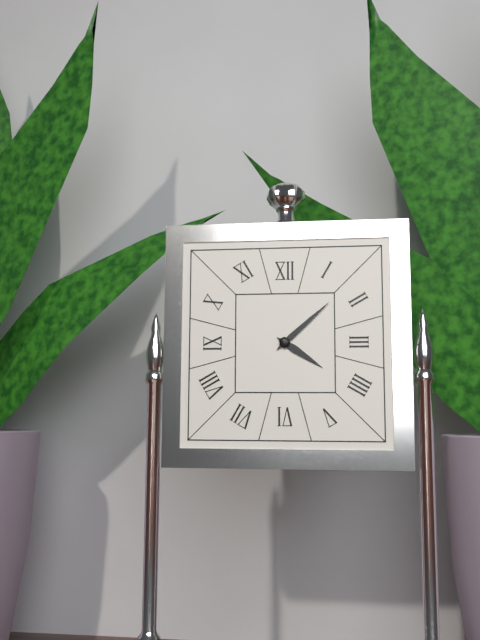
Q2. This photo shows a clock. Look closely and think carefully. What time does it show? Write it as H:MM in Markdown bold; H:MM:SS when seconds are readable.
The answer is **4:08**
